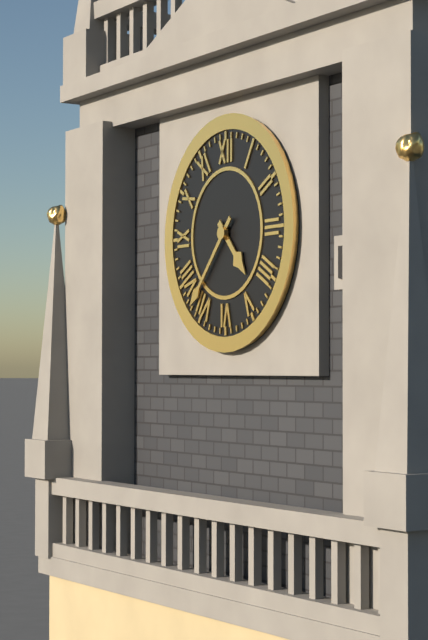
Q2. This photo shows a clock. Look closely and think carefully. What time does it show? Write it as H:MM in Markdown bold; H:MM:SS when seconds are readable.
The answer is **4:37**
